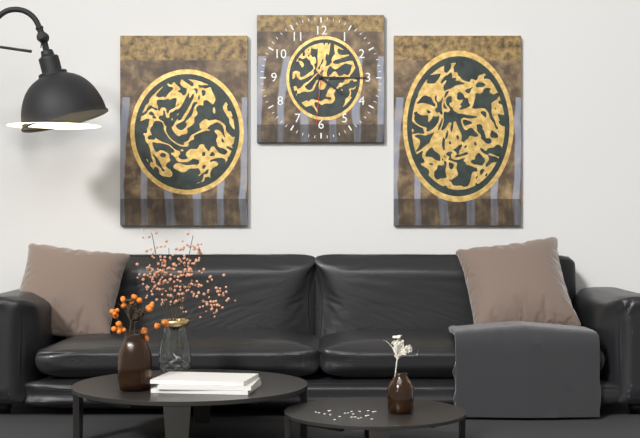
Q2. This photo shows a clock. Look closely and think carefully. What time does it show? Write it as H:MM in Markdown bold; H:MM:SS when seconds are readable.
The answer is **4:15:31**
